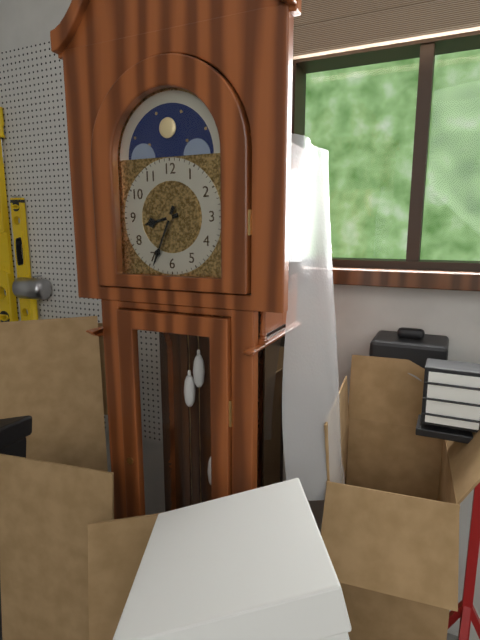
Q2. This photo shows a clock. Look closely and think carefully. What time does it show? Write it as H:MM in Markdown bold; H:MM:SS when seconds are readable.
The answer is **8:34**
